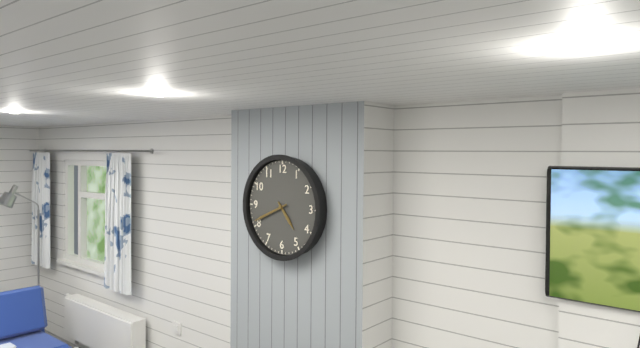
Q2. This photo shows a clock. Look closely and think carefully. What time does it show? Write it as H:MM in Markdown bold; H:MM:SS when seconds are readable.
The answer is **4:41**
